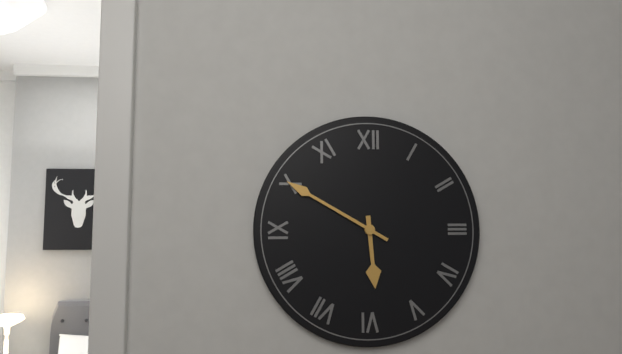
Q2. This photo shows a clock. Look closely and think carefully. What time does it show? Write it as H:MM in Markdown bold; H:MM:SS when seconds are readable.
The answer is **5:50**
